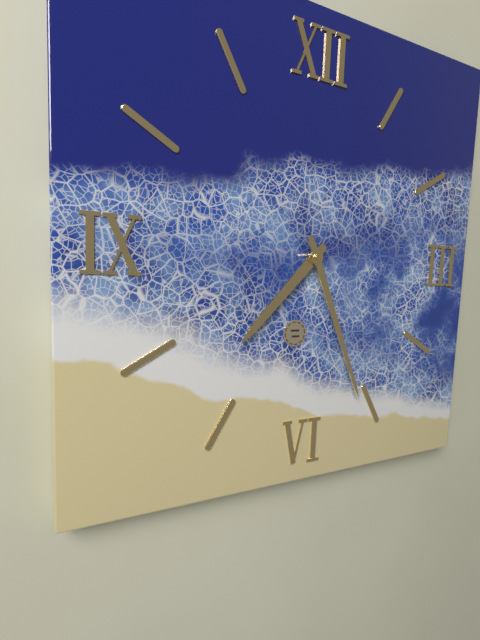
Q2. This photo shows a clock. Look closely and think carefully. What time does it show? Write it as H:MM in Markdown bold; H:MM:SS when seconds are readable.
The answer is **7:26**
